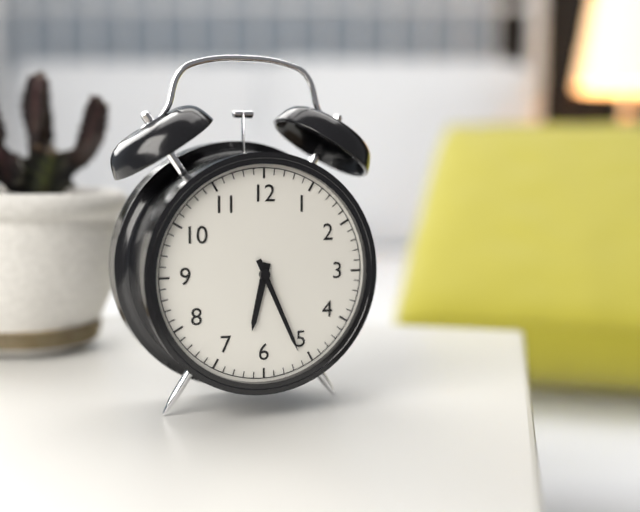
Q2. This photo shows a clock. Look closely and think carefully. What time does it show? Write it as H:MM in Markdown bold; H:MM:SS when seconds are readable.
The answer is **6:26**
